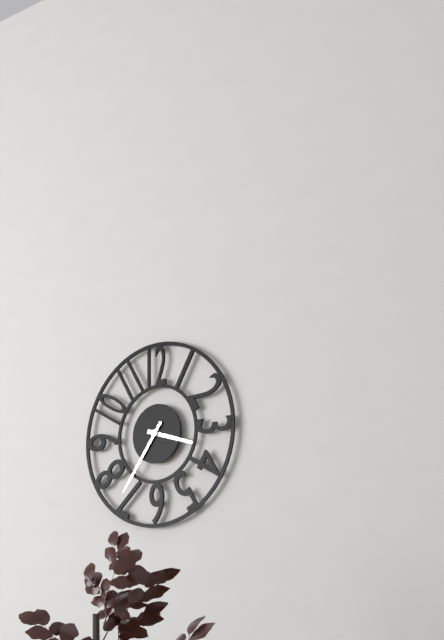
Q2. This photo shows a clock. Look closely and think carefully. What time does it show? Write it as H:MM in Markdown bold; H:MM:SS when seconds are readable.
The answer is **3:36**
